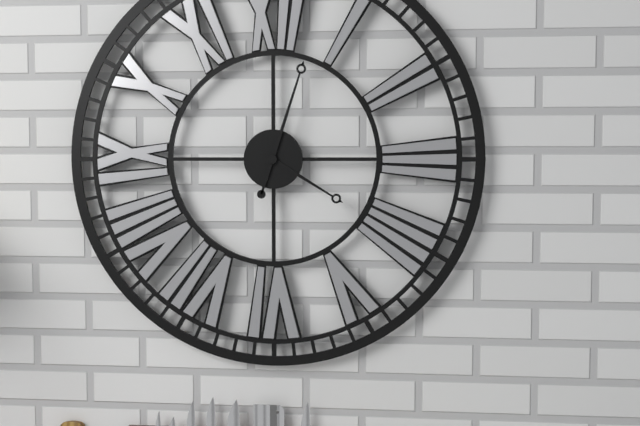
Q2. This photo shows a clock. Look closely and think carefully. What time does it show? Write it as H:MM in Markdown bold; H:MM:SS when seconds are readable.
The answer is **4:03**
